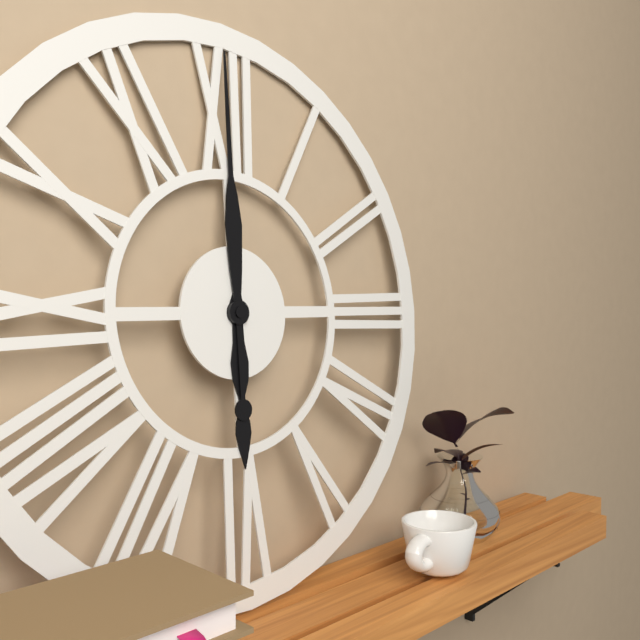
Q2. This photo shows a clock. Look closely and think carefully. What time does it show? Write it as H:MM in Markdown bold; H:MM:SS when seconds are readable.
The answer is **6:00**
